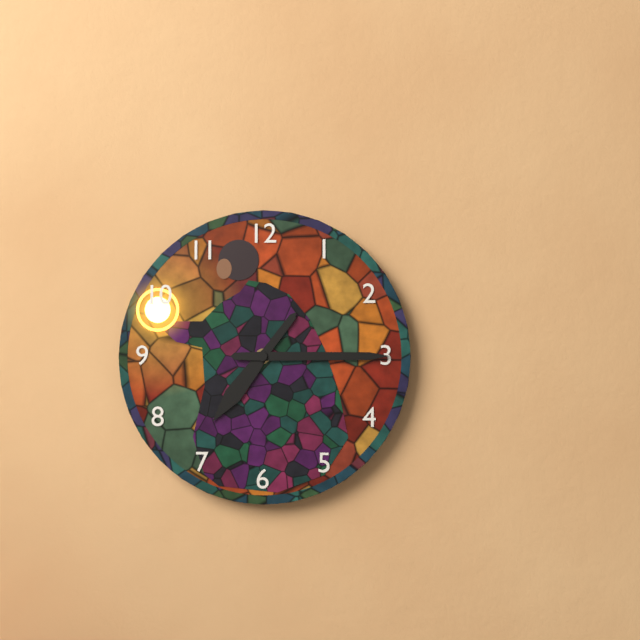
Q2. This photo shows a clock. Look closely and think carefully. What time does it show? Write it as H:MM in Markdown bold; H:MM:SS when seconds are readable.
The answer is **7:15**
